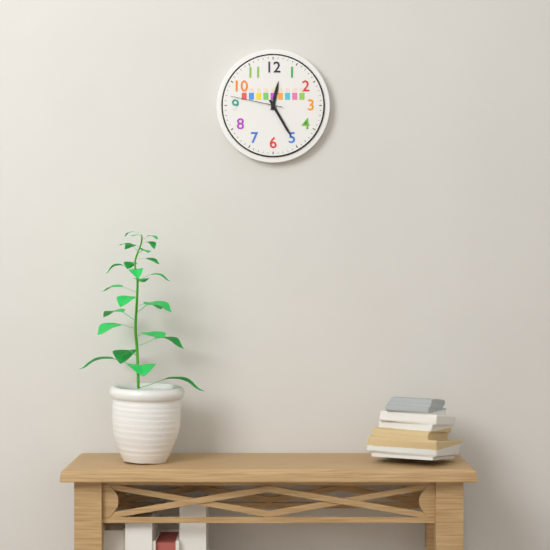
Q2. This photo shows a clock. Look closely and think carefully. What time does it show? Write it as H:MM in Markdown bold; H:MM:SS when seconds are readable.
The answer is **12:25:47**
